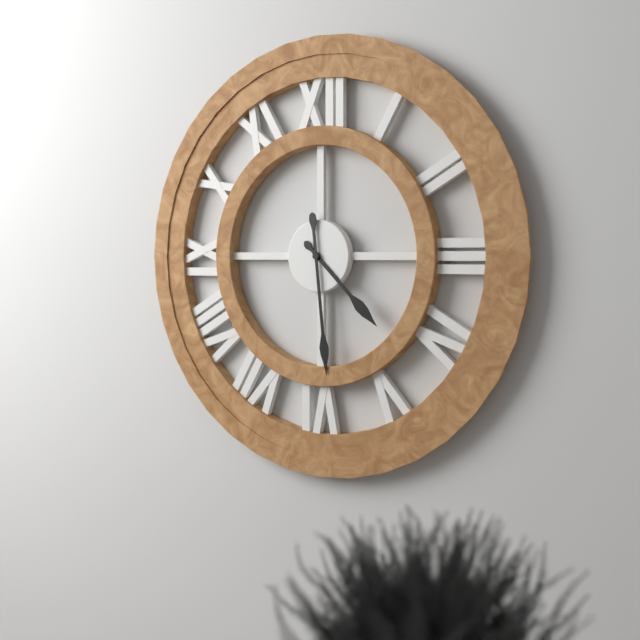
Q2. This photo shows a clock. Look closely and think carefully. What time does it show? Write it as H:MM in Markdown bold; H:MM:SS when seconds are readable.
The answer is **4:29**
